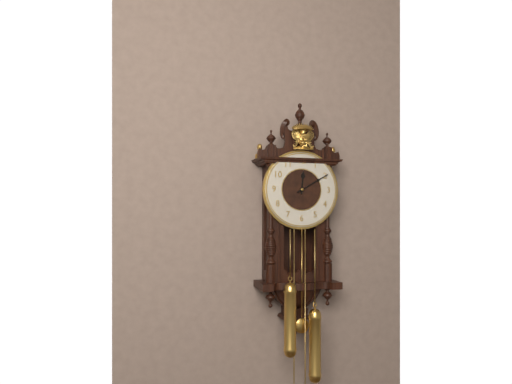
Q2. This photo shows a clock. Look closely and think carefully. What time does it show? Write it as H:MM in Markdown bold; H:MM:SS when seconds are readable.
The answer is **12:10**
